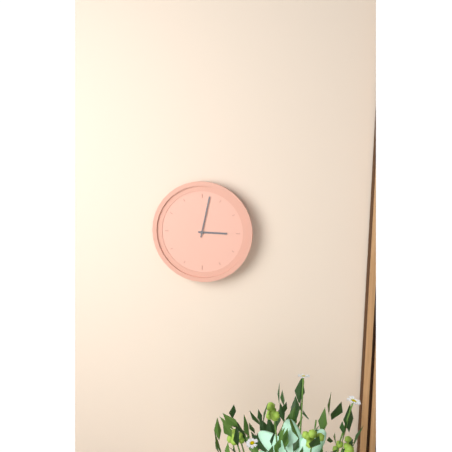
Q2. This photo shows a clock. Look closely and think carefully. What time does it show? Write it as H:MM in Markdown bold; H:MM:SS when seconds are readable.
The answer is **3:02**
